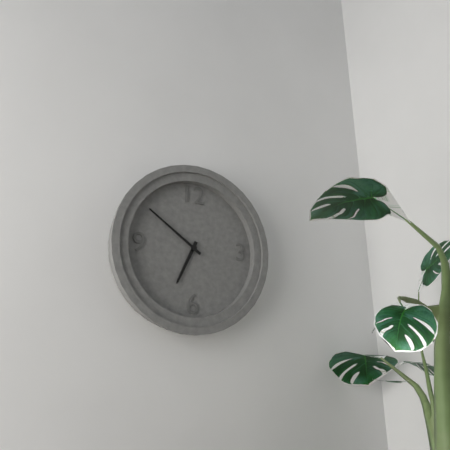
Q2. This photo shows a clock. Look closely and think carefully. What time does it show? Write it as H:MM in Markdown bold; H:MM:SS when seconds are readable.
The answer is **6:51**
